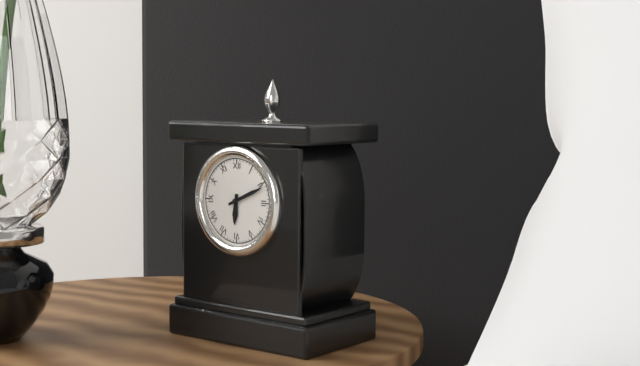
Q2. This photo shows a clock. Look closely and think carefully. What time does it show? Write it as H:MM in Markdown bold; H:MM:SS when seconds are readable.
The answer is **6:11**
